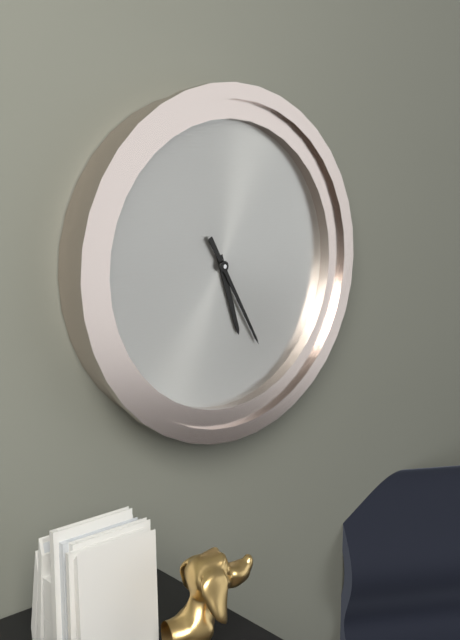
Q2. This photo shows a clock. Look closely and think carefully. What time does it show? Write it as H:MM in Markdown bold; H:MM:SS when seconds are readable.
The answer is **5:25**
